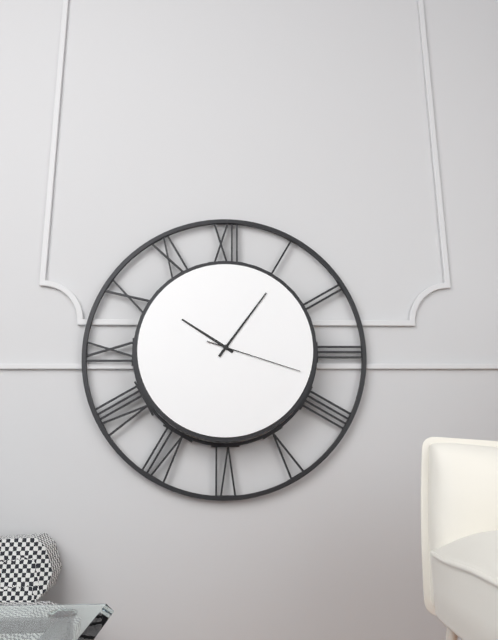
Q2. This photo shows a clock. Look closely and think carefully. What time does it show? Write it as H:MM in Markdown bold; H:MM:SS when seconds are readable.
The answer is **10:06:18**
